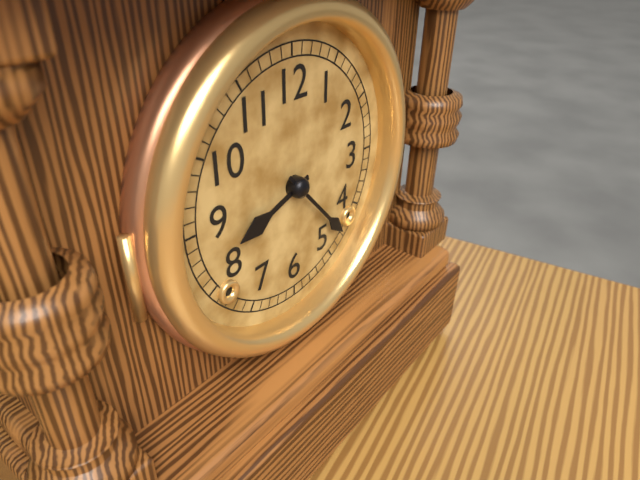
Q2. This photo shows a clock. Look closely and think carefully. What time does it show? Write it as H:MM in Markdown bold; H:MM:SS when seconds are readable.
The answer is **8:23**
